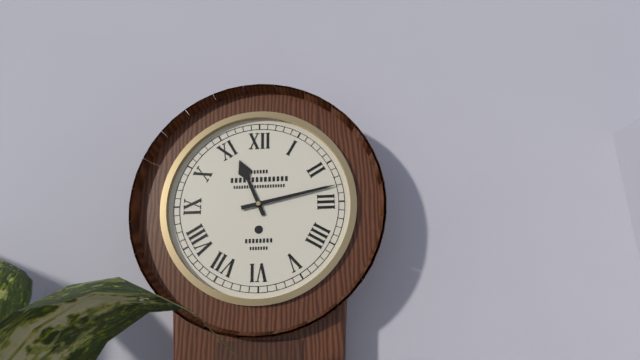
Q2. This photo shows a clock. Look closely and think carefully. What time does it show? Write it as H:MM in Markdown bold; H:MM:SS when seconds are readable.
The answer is **11:13**
